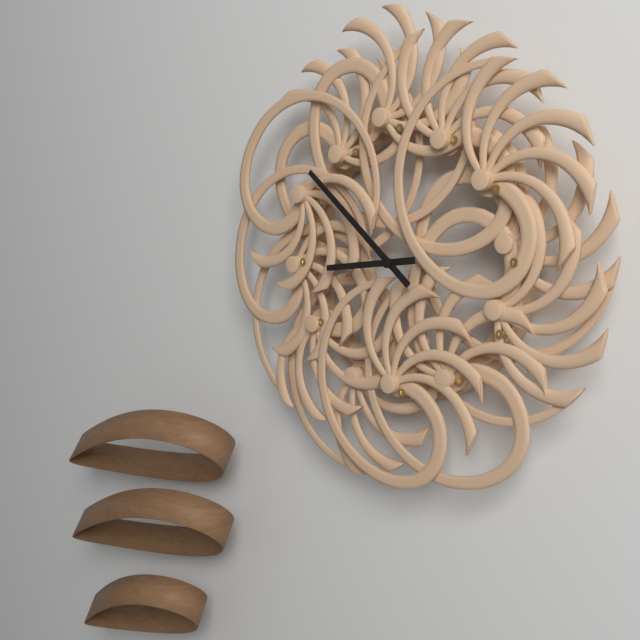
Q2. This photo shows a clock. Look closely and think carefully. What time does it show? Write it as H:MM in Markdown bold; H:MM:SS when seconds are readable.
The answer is **8:52**
